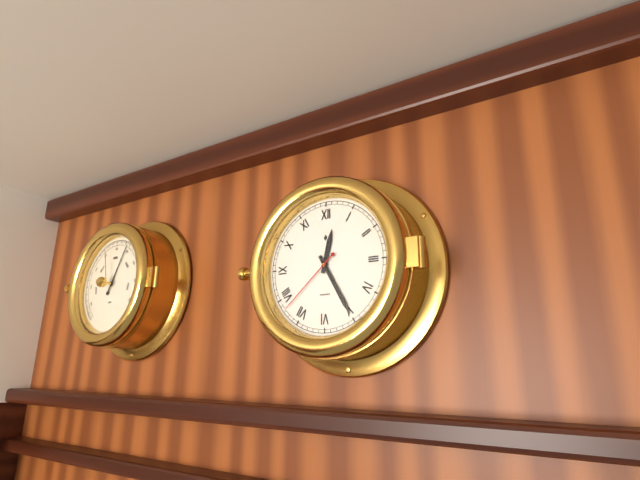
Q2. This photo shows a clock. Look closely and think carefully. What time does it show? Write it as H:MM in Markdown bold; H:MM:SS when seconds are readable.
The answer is **12:25:38**
